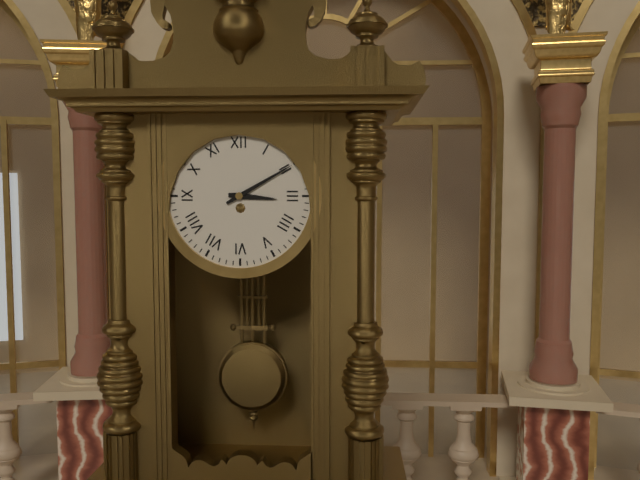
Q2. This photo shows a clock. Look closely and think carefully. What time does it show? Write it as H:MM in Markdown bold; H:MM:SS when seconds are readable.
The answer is **3:10**
